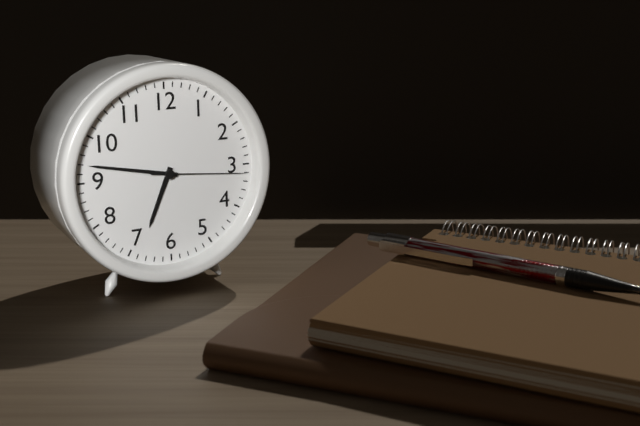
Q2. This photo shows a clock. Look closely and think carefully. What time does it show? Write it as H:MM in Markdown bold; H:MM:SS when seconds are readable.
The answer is **6:47:16**
